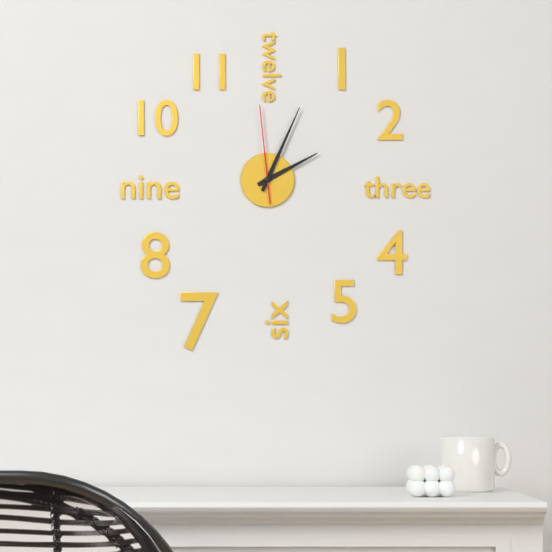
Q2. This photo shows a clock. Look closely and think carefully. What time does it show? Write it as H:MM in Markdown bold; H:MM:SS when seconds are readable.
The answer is **2:04:59**
